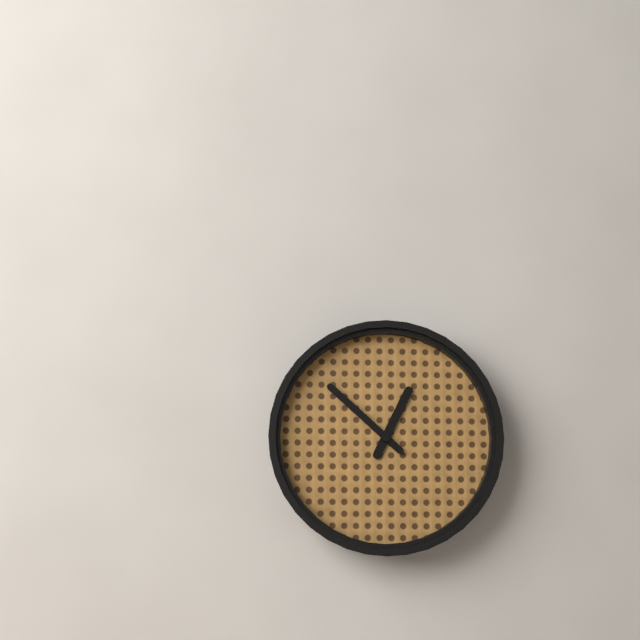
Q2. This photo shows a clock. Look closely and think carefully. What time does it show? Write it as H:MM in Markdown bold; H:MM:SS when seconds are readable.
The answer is **12:52**
